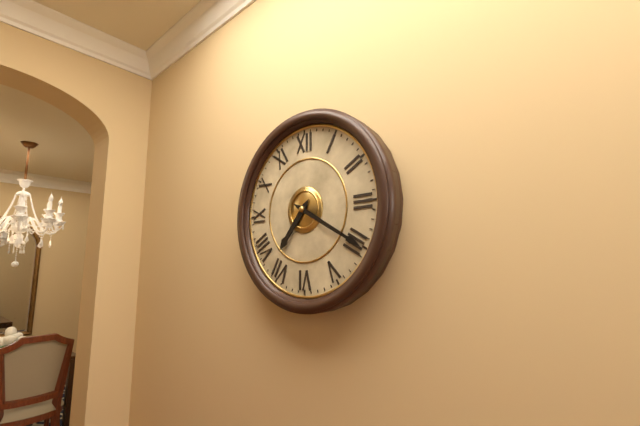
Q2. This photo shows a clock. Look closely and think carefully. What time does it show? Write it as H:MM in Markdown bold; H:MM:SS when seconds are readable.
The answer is **7:20**
